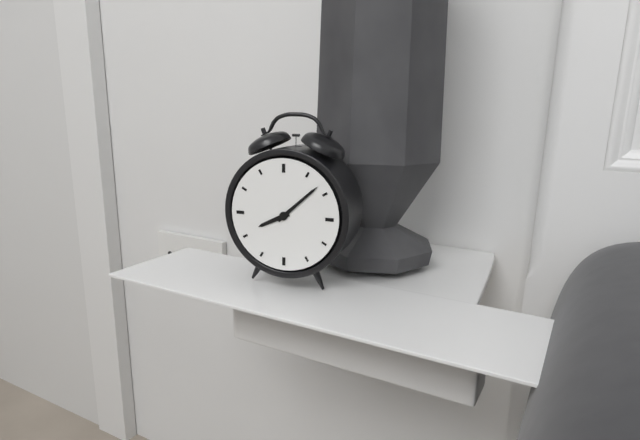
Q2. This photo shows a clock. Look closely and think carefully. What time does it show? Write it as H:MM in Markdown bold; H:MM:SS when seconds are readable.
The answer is **8:08**
